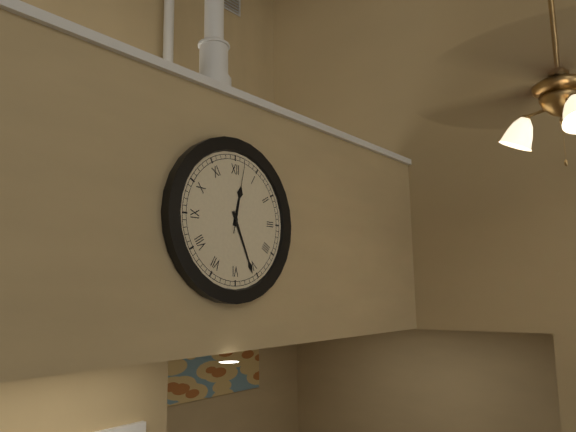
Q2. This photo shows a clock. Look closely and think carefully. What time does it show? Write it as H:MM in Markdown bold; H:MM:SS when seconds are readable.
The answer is **12:26:02**
